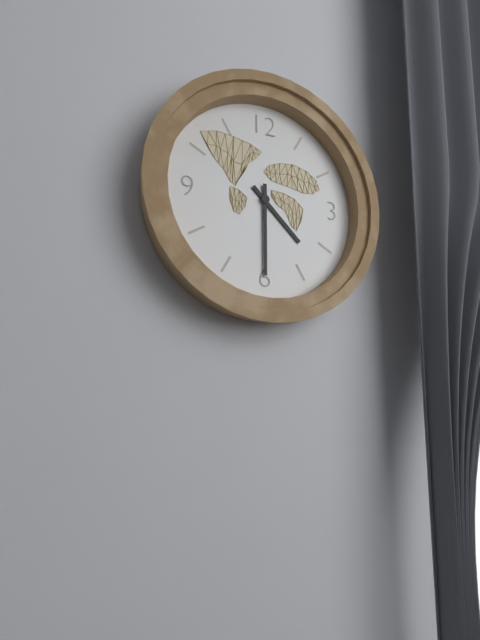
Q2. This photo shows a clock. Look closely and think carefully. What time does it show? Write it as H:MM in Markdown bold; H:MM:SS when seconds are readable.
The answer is **4:30**
